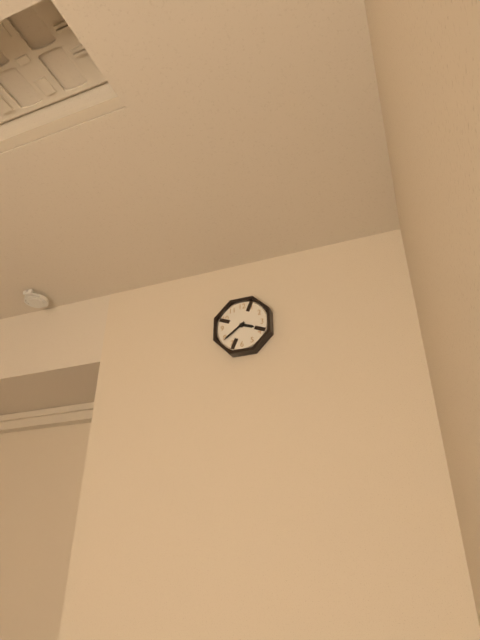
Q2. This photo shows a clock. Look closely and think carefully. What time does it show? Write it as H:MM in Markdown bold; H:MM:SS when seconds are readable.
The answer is **3:39**
